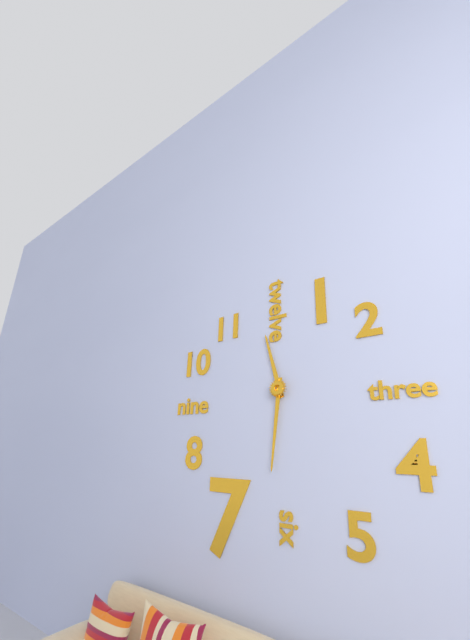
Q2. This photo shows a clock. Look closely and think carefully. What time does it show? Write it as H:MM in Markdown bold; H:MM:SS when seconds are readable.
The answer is **11:31**
